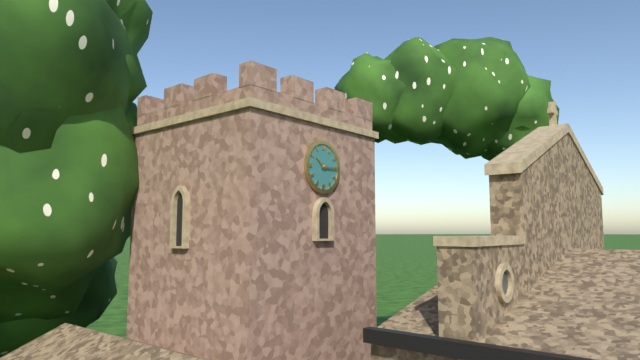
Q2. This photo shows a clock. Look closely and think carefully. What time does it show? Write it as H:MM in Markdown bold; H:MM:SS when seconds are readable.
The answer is **10:15**
